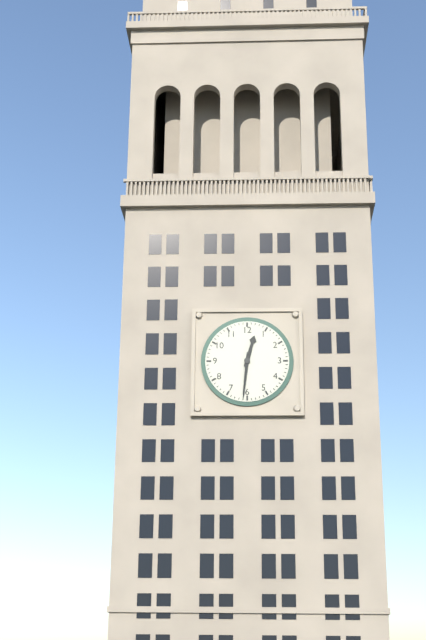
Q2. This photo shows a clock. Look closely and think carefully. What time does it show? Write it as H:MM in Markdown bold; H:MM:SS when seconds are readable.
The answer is **12:31**
